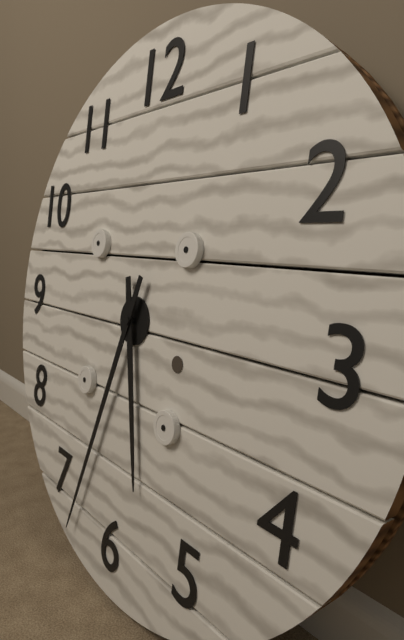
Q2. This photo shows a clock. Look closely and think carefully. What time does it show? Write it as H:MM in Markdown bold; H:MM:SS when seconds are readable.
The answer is **5:33**
